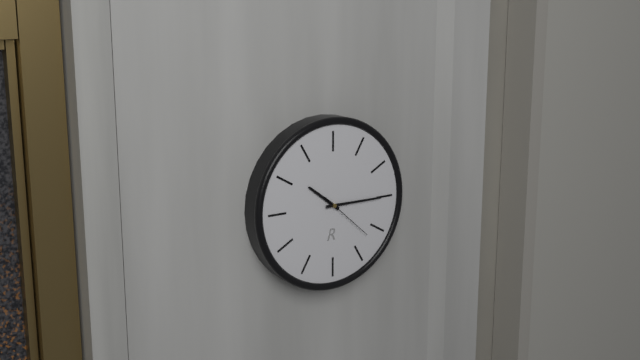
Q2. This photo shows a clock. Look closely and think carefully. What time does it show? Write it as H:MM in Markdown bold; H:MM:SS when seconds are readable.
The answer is **10:15:22**
